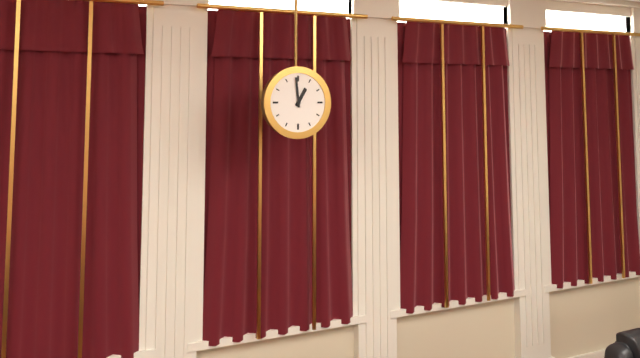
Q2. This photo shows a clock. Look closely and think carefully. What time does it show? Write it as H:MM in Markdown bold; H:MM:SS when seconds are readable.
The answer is **12:59**
